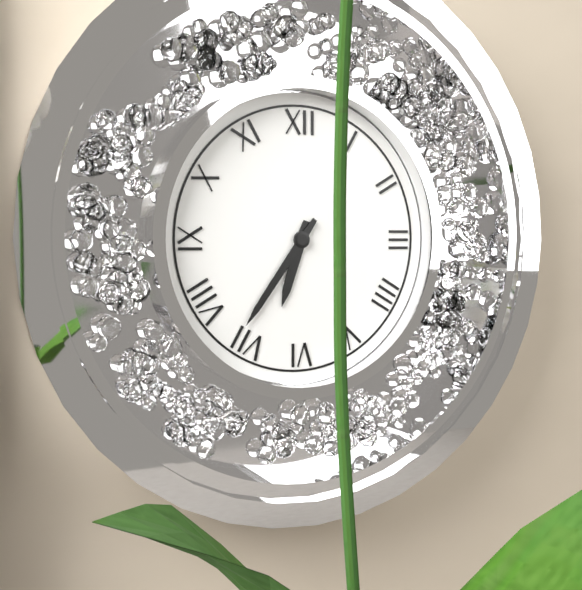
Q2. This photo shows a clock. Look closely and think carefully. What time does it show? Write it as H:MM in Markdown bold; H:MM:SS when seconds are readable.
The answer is **6:36**
